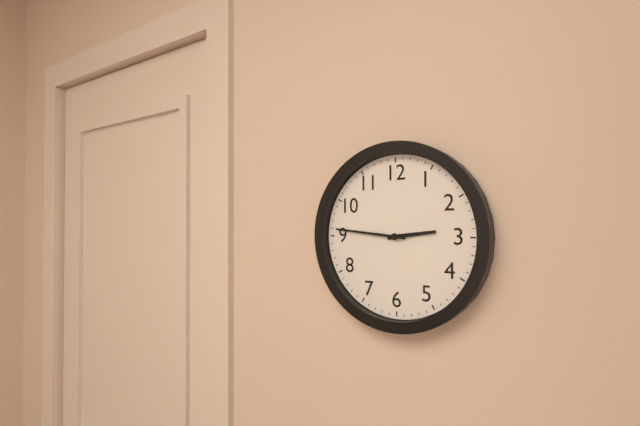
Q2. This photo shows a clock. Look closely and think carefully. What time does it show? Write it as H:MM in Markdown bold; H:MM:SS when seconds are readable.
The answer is **2:46**
